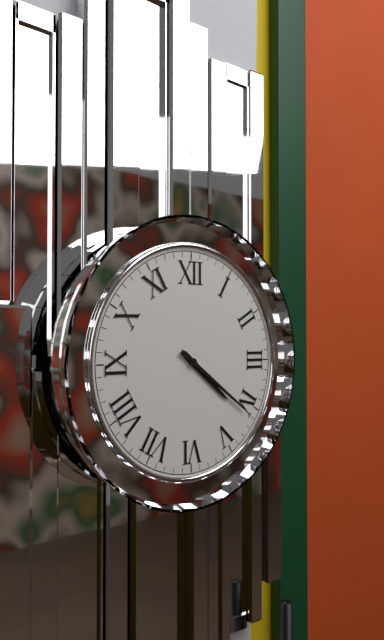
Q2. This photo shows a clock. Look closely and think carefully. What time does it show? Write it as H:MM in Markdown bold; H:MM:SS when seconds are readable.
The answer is **4:21**
